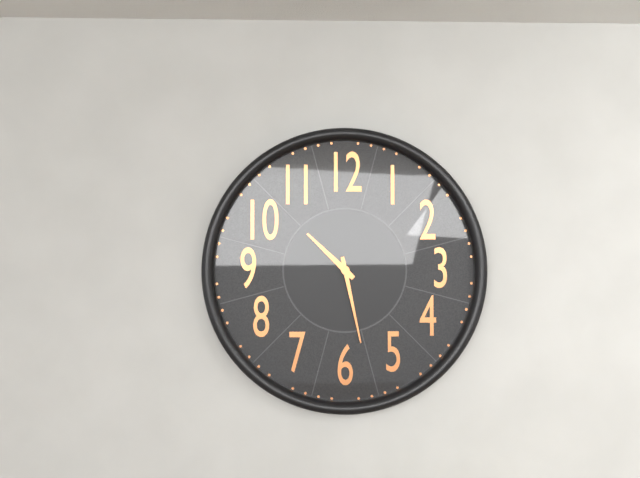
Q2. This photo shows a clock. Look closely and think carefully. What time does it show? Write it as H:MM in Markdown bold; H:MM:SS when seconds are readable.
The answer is **10:28**
